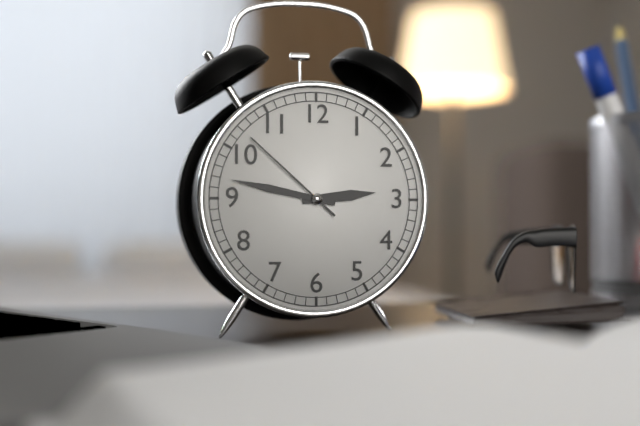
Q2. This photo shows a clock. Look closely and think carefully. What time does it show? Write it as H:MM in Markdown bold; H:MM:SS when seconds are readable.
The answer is **2:47:52**
